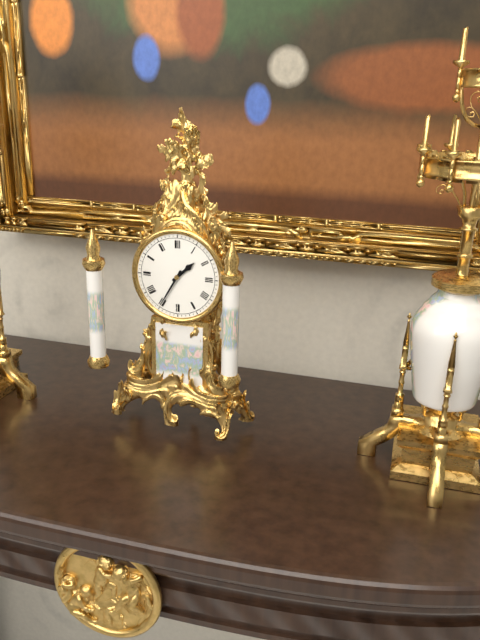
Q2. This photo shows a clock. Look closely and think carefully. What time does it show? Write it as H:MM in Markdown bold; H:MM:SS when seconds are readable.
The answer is **1:35**
